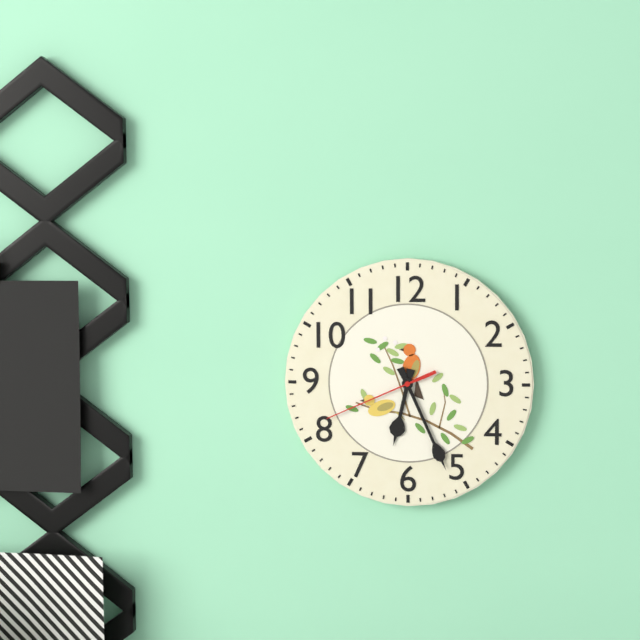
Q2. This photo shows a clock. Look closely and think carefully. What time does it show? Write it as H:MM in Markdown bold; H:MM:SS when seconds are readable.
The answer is **6:26:41**
